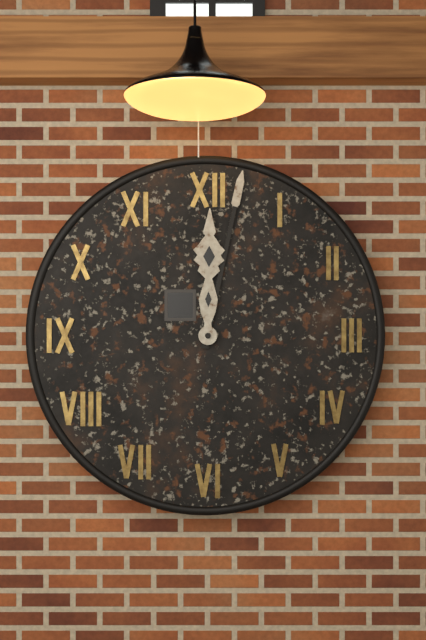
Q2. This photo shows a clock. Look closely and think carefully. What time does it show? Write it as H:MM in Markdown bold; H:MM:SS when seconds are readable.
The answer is **12:02**
